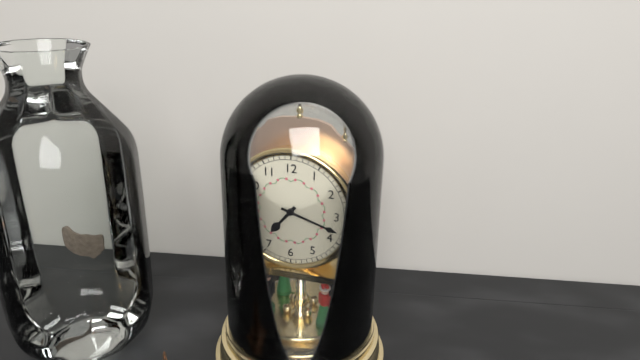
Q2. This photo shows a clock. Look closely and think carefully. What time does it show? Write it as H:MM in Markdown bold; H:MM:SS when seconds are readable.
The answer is **7:18**
